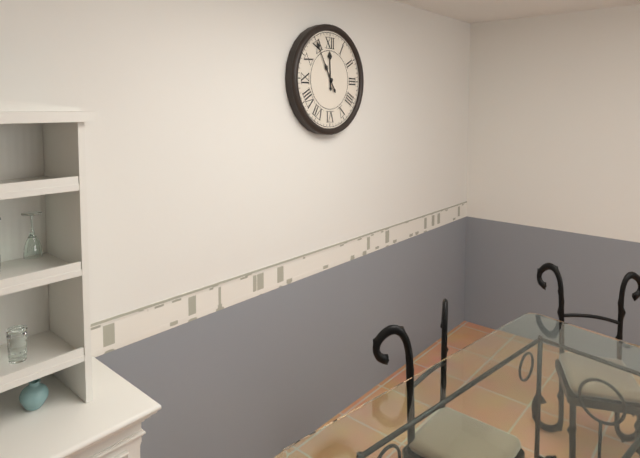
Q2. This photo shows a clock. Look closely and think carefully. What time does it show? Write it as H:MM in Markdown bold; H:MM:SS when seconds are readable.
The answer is **11:55**
